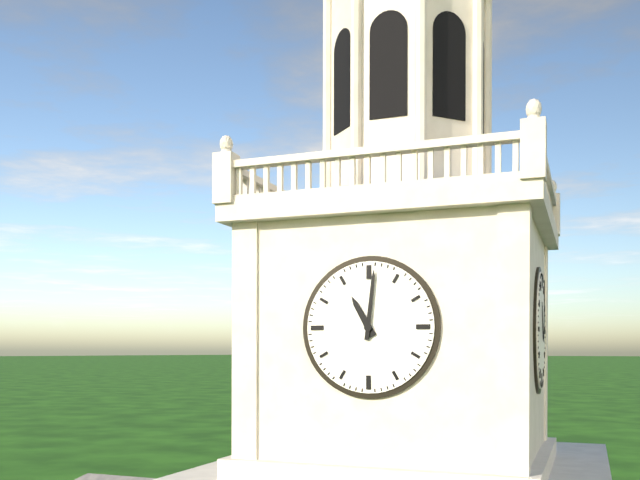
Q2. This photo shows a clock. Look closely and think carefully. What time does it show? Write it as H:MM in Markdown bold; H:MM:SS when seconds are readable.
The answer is **11:01**
